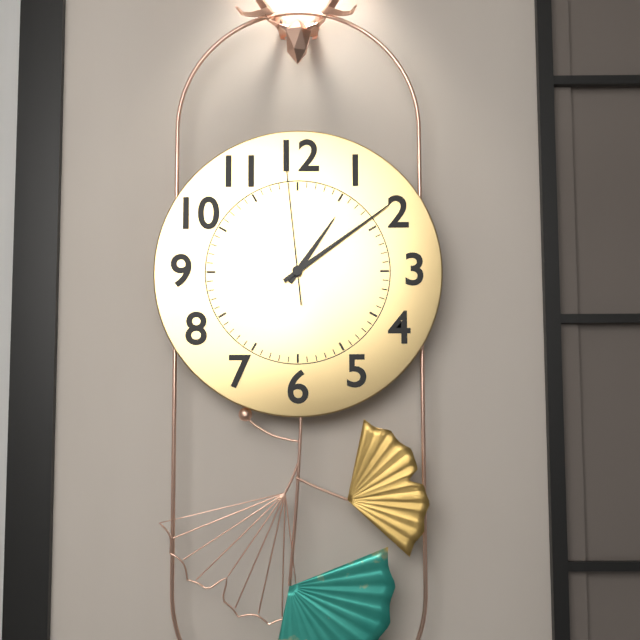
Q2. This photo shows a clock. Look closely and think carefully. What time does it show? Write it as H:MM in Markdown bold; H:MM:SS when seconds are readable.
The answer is **1:09:59**
